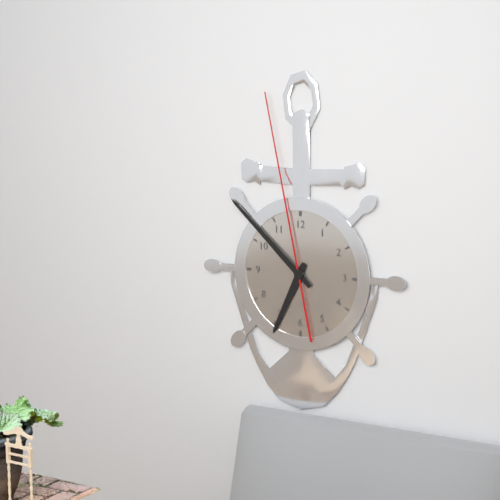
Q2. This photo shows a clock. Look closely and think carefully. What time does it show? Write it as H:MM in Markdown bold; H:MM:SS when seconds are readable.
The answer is **6:52:58**
